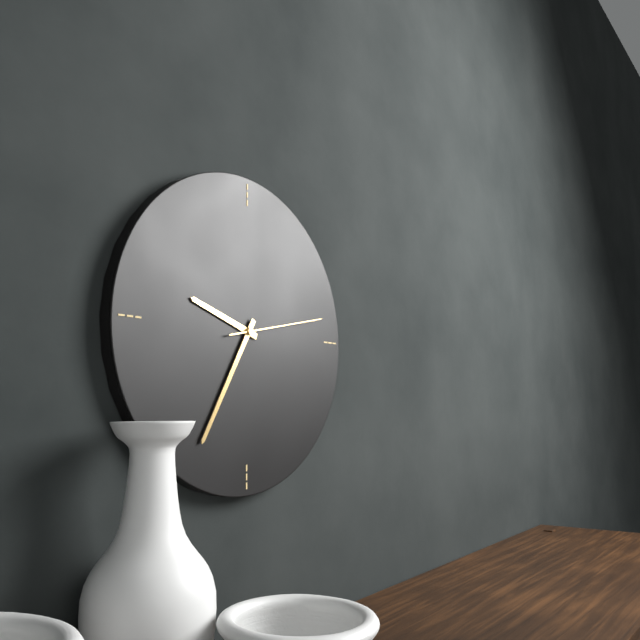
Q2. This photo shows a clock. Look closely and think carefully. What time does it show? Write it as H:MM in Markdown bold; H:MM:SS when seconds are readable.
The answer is **9:35:13**
